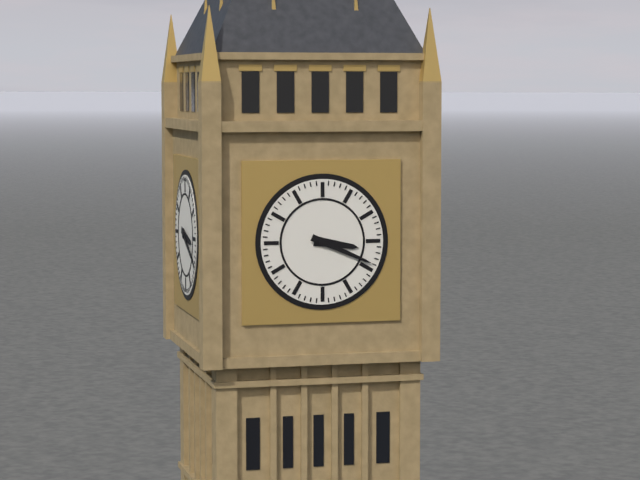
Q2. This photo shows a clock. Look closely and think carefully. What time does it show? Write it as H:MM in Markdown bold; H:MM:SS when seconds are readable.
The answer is **3:19**
